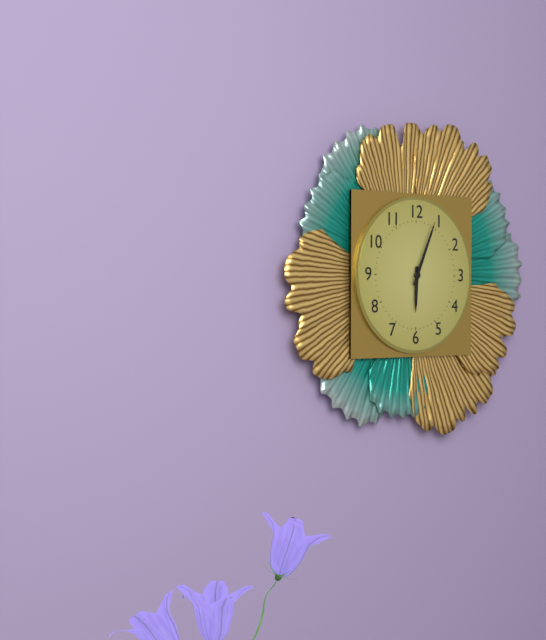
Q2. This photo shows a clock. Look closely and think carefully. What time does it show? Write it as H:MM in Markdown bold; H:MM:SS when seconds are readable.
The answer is **6:04**
